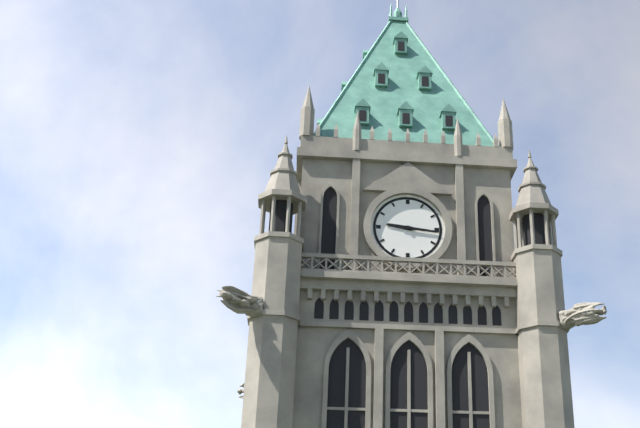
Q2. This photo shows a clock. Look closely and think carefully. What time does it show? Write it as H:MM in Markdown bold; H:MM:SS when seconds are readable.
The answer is **9:16**
